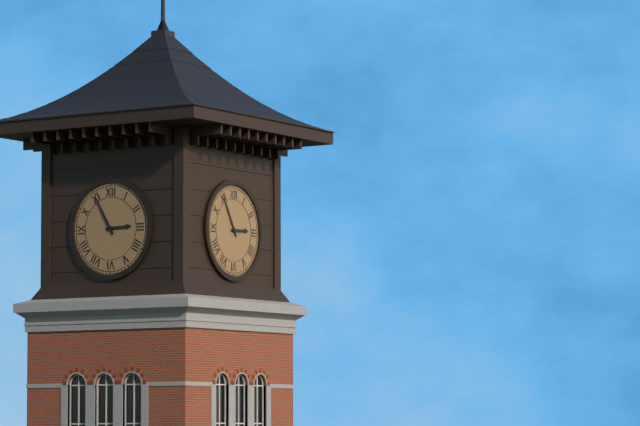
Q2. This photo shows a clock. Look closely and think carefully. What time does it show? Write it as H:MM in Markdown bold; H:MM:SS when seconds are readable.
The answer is **2:55**
